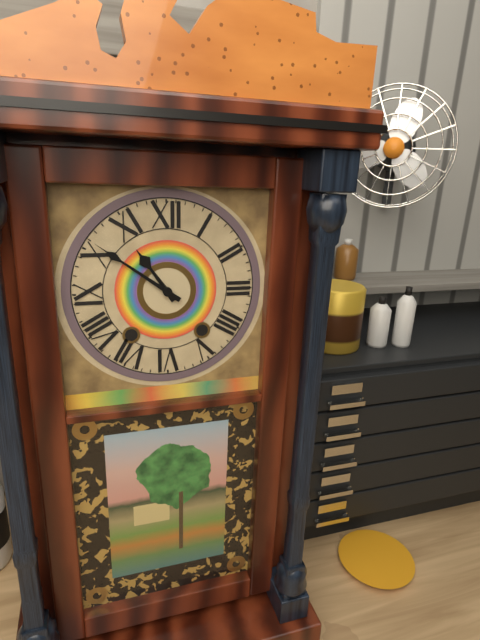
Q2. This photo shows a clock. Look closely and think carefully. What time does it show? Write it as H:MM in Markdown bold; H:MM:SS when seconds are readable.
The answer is **10:51**
